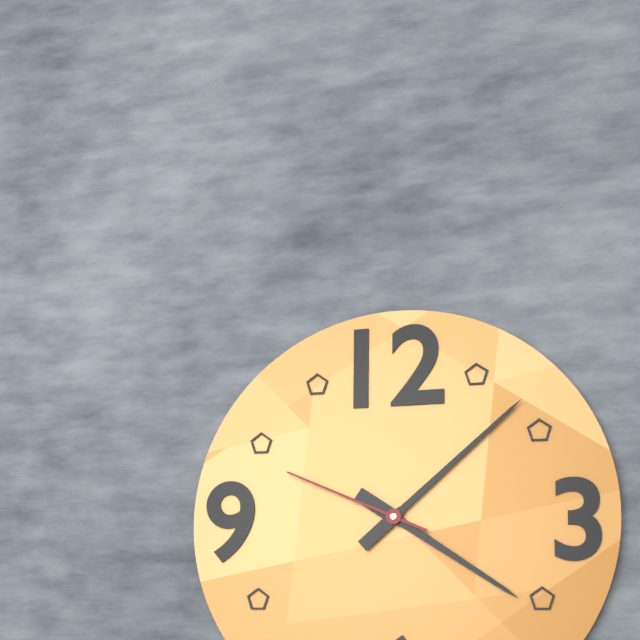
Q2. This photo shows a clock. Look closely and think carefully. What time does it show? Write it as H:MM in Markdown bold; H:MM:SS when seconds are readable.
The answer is **4:08:49**
